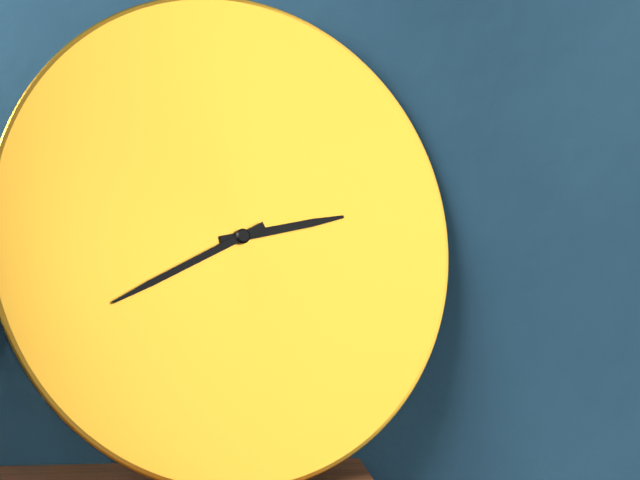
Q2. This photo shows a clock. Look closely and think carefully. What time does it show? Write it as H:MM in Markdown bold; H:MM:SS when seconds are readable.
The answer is **2:41**
